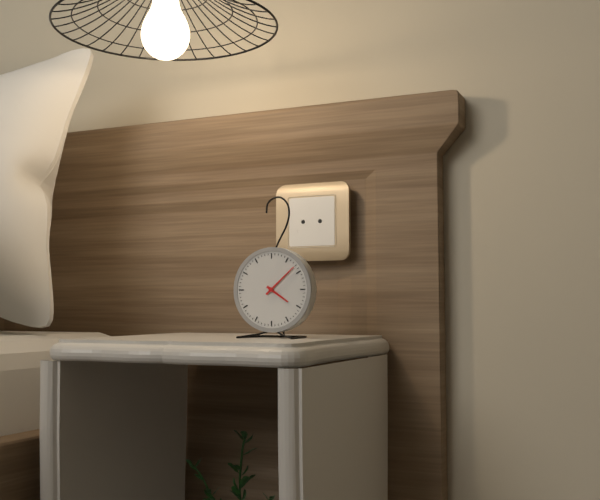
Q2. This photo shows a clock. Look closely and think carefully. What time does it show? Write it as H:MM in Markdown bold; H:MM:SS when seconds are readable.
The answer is **4:08**
